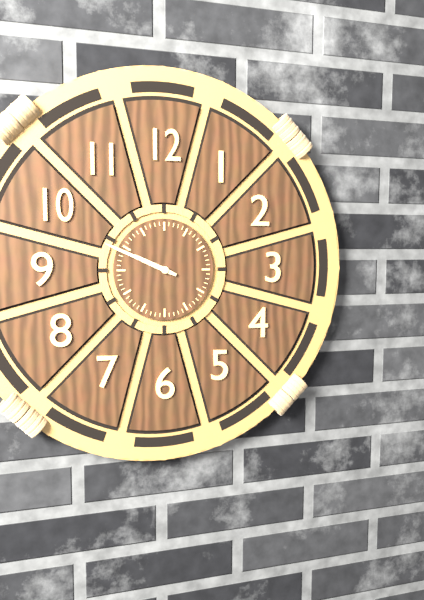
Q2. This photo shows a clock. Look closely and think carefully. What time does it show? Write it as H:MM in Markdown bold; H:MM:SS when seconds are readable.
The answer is **9:49**
